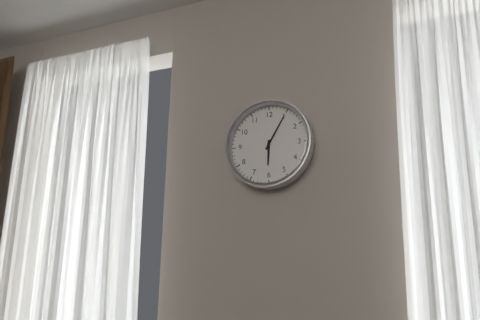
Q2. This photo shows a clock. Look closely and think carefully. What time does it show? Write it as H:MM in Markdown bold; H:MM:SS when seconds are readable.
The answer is **6:05**
